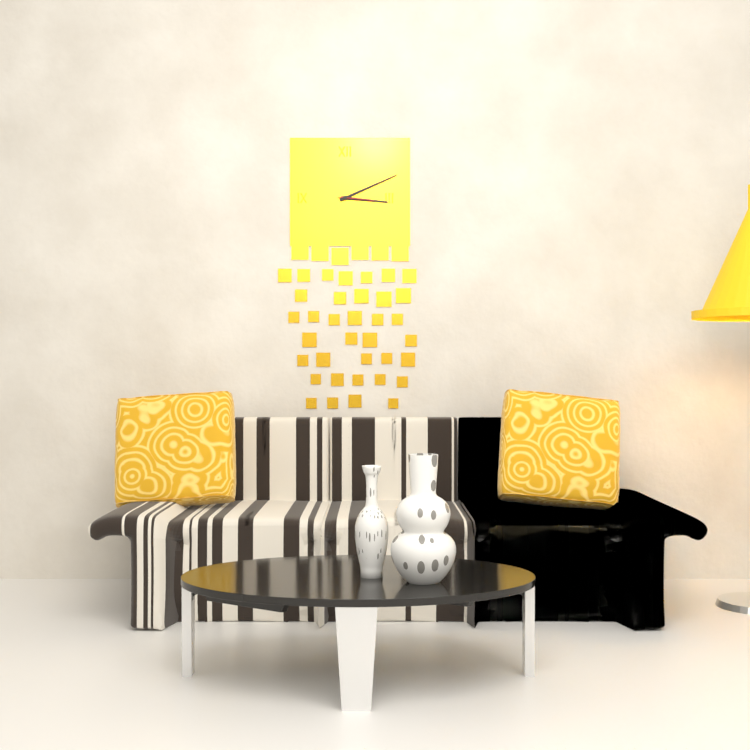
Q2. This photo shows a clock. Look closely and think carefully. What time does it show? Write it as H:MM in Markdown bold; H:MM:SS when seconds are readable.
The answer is **3:11**
